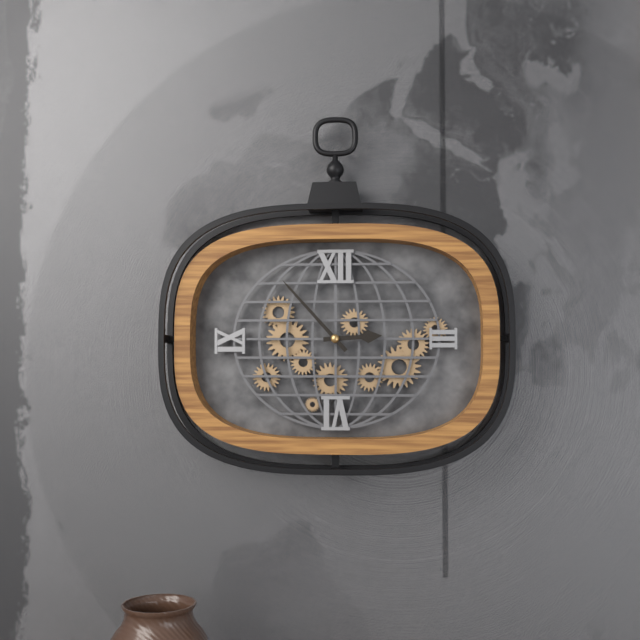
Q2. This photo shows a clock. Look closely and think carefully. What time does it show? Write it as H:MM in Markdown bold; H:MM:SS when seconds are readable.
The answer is **2:53**
